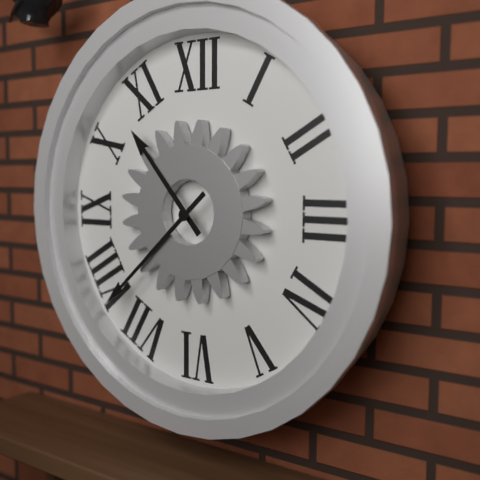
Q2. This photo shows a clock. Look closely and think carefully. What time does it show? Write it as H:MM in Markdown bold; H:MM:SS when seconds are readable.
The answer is **10:38**
